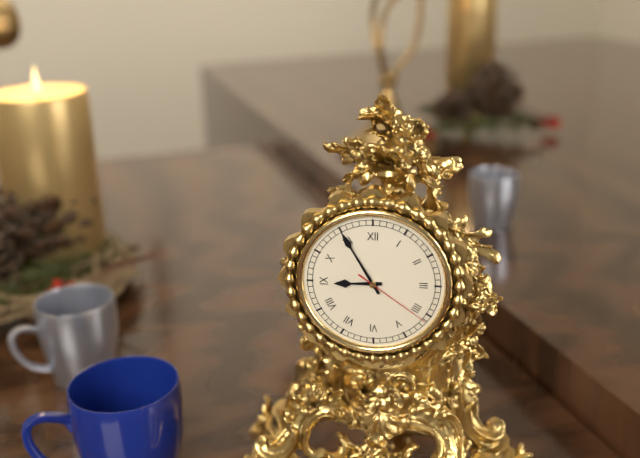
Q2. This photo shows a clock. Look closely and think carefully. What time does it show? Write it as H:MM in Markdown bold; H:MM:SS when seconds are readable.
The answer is **8:55:21**
